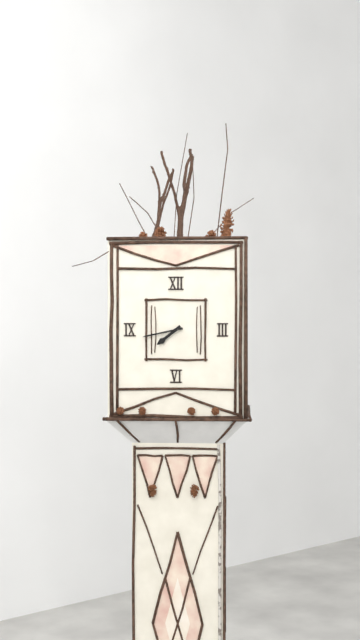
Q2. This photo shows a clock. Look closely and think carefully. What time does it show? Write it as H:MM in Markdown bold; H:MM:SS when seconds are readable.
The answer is **7:43**
